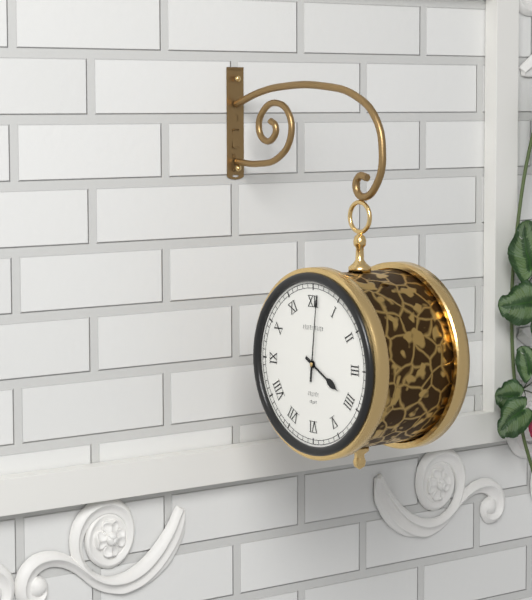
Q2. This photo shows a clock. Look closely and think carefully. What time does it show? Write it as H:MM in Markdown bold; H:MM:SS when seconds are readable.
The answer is **4:01**
